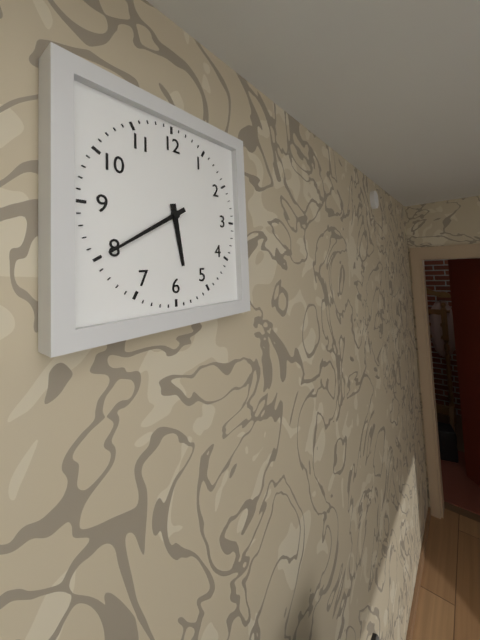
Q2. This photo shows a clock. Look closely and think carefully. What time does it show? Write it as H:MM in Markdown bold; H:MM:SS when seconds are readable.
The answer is **5:40**
